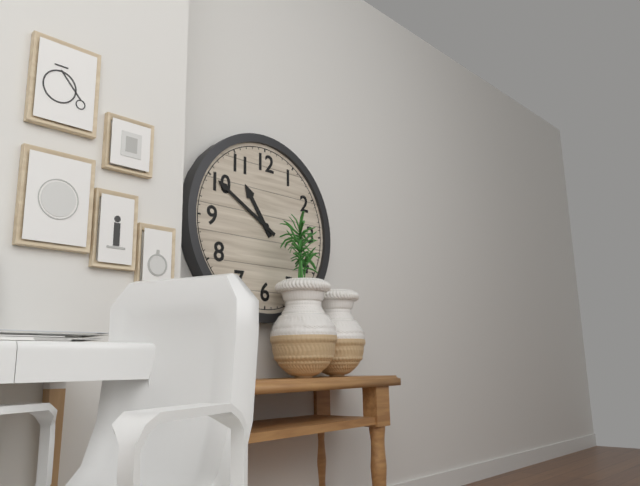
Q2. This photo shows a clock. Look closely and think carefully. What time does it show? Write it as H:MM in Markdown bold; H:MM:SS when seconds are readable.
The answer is **10:50**
